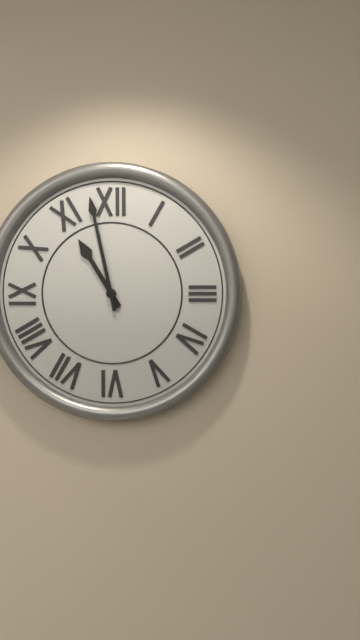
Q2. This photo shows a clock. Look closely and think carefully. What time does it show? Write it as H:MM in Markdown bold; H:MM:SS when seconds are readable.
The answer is **10:58**
